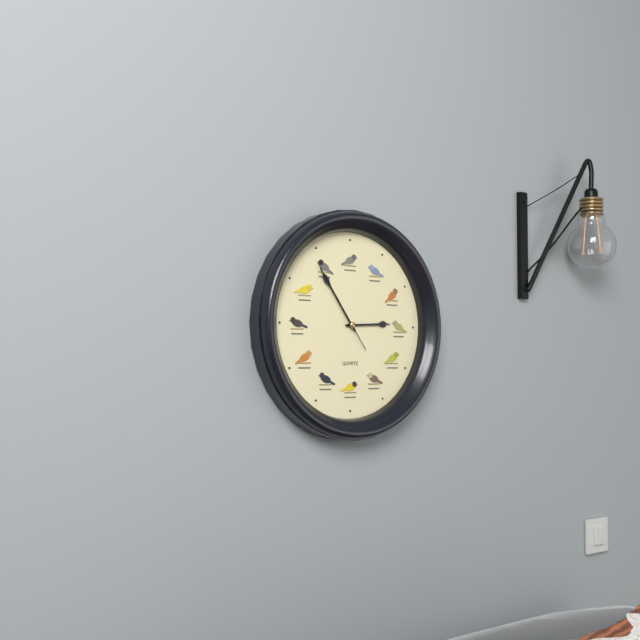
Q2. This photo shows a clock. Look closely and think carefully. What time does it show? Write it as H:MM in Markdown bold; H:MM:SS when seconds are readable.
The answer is **2:54:54**
